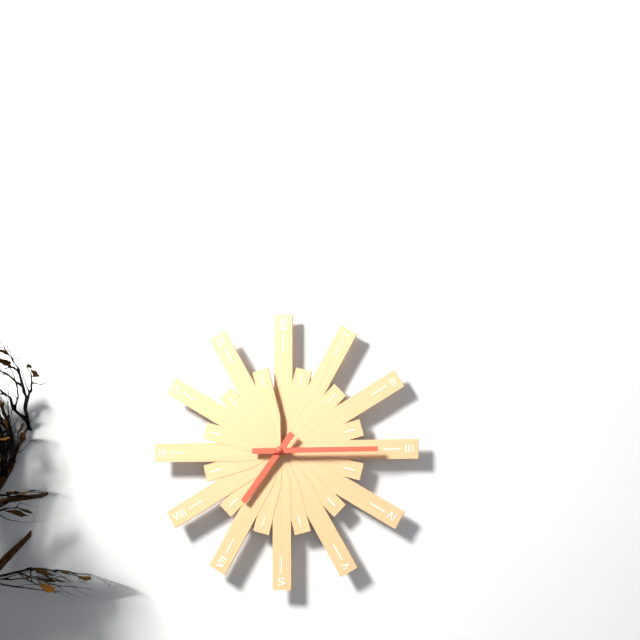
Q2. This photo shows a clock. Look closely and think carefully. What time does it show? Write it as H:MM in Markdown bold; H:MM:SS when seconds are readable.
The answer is **7:15**
